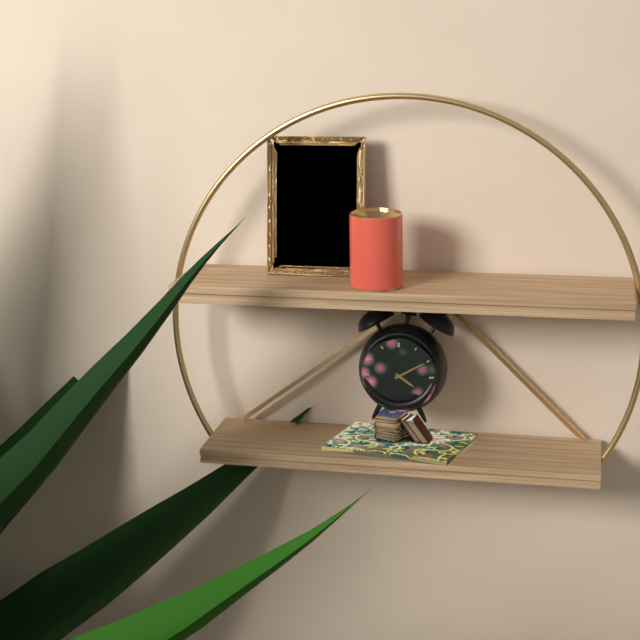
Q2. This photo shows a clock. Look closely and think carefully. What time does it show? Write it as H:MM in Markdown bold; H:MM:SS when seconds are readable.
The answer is **4:10**
